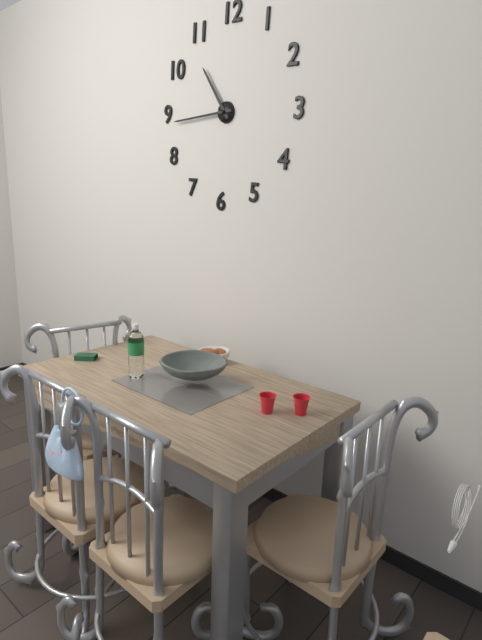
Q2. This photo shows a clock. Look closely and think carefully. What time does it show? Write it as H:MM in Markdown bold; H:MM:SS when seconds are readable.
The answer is **10:44**
